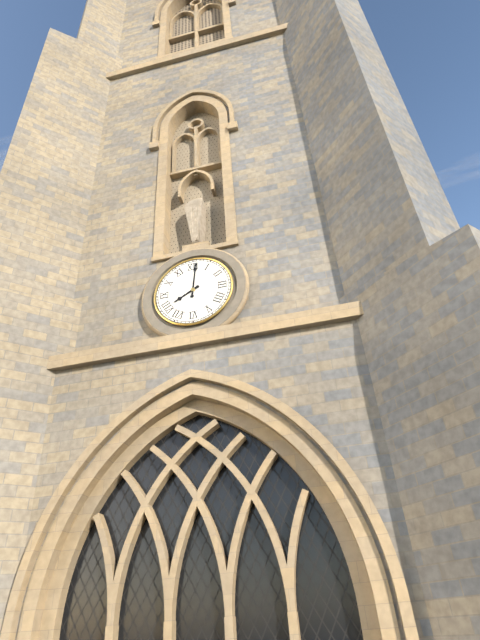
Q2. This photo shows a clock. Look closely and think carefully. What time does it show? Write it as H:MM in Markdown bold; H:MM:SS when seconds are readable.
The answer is **8:01**
